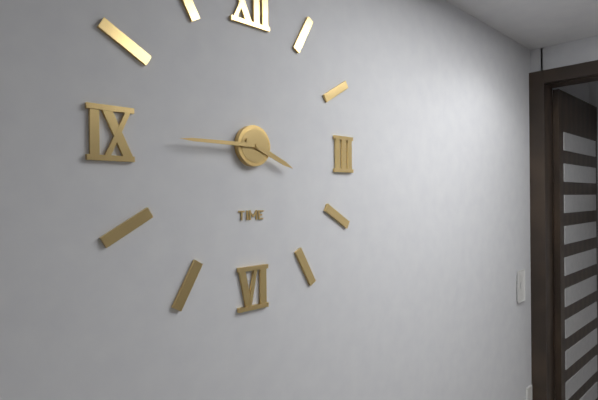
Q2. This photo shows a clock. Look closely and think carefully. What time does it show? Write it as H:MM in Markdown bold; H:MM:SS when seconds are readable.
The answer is **3:45**
